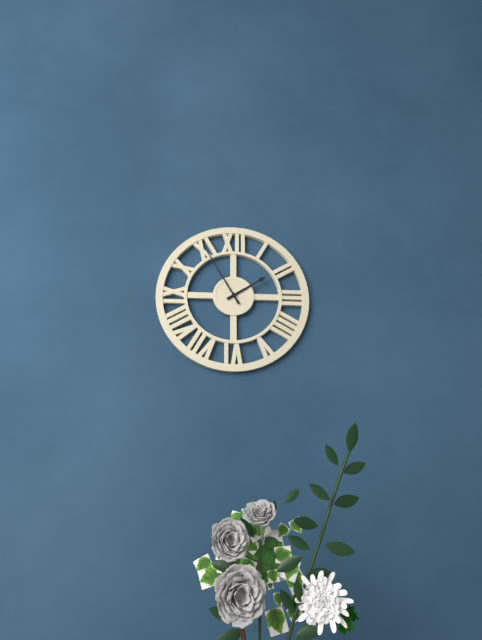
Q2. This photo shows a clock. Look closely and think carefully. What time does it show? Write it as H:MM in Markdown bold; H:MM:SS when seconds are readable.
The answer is **1:55**
